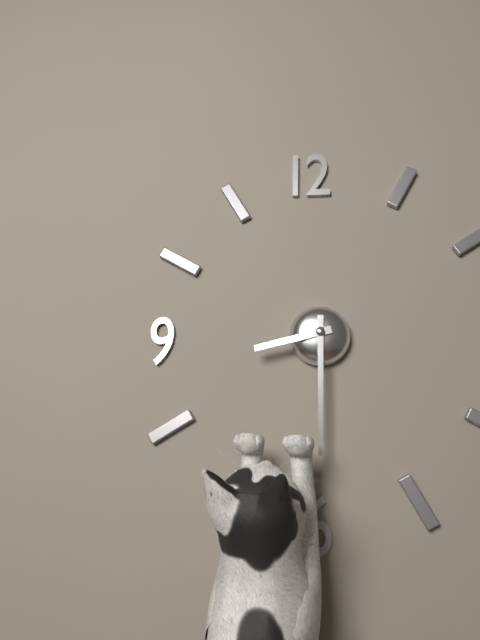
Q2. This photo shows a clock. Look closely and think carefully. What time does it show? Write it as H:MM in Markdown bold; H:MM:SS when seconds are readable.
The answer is **8:30**
